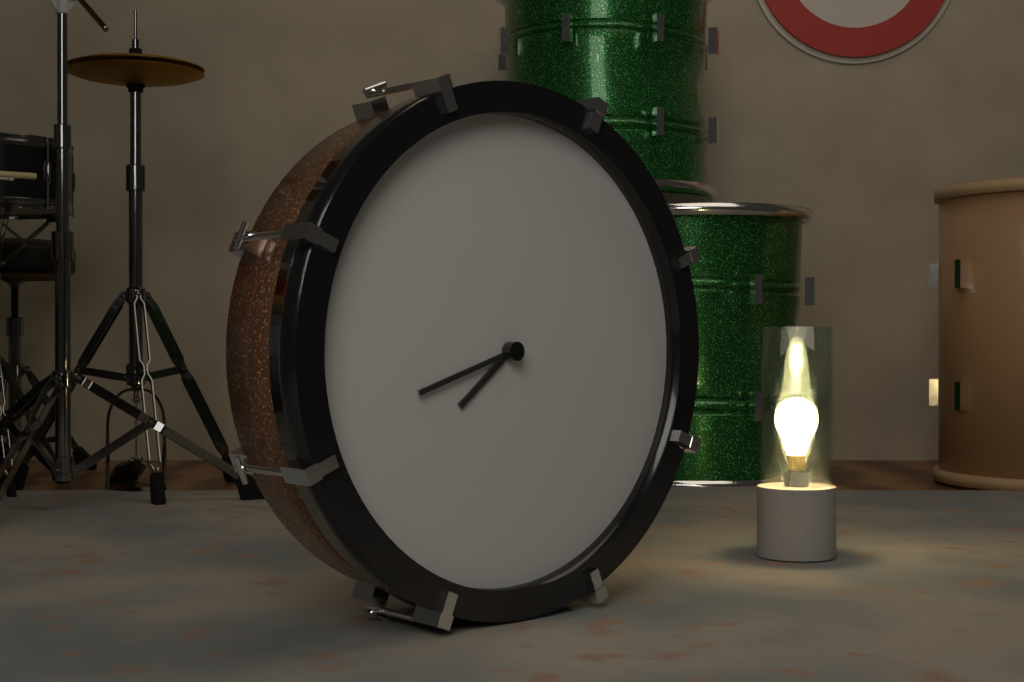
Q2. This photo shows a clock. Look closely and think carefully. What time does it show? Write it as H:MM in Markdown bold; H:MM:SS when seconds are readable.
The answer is **7:42**
